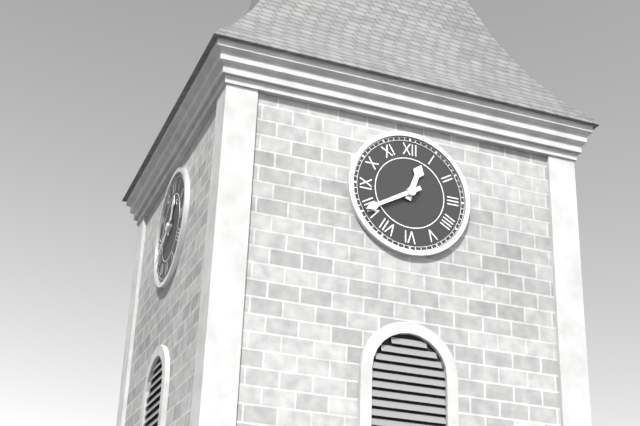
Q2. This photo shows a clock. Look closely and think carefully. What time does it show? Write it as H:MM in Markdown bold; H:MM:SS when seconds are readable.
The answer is **12:40**
